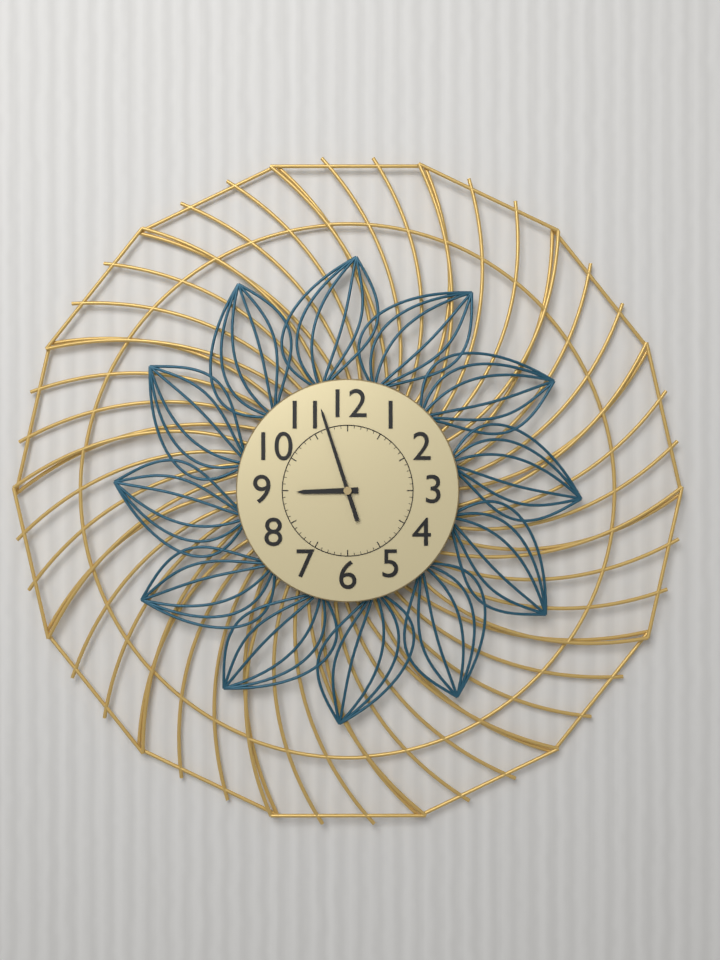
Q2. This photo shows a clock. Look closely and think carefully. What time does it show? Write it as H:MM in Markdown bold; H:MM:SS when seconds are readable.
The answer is **8:57**
